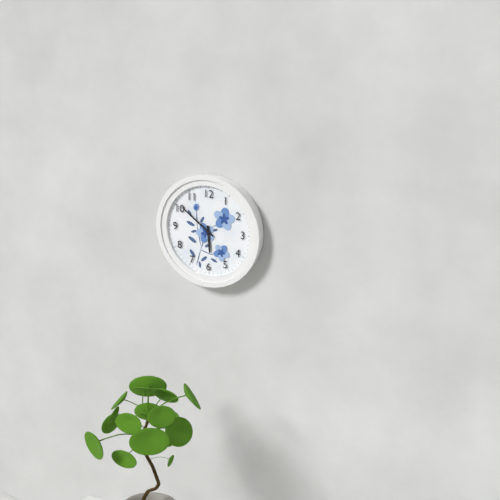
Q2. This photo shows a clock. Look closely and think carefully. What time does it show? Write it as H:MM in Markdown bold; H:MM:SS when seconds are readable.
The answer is **5:51**
